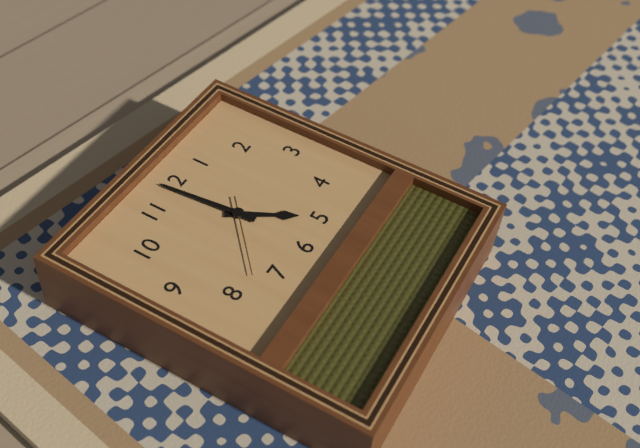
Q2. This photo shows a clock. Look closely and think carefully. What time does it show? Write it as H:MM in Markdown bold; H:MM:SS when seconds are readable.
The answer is **4:59:38**
